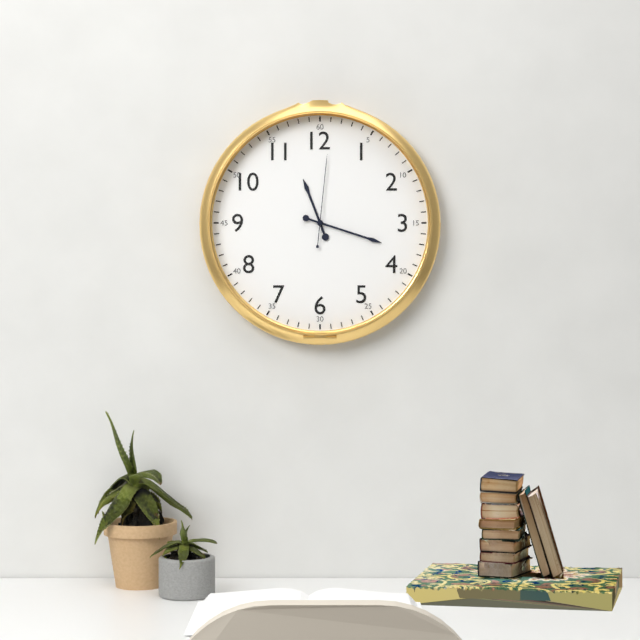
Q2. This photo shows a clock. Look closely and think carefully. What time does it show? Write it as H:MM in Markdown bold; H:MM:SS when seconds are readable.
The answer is **11:18:01**
